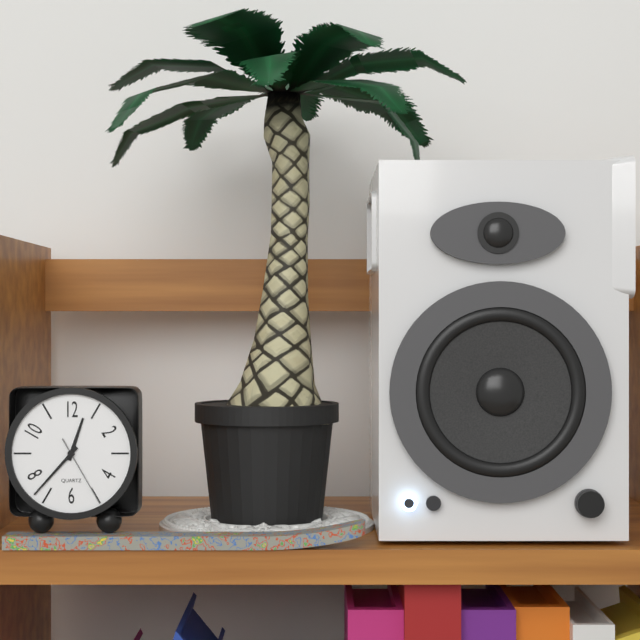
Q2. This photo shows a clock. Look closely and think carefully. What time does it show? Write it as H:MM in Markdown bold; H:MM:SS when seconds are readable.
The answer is **12:37:25**
